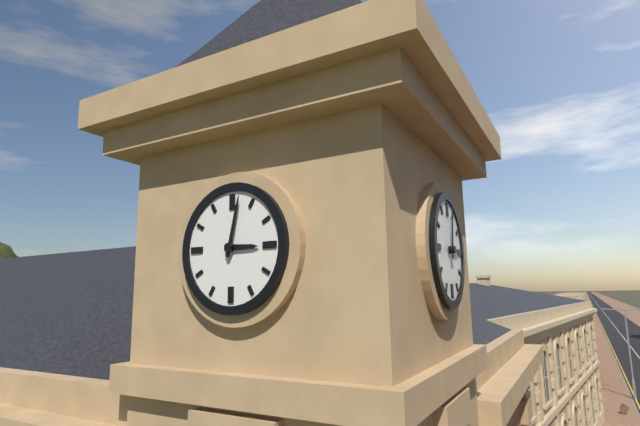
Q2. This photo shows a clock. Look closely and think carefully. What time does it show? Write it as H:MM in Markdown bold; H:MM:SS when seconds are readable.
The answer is **3:02**
